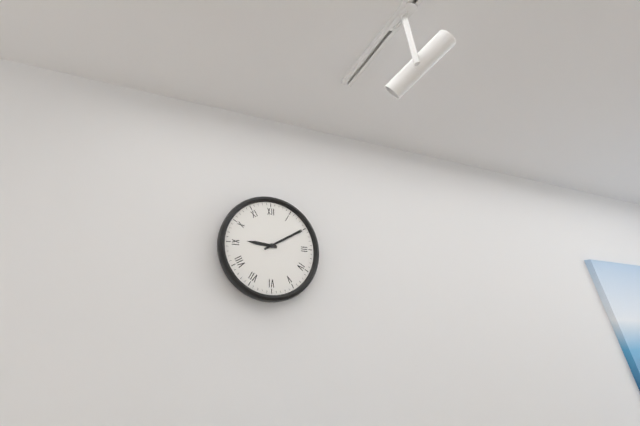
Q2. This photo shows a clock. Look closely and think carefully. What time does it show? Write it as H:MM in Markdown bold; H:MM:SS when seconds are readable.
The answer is **9:10**
